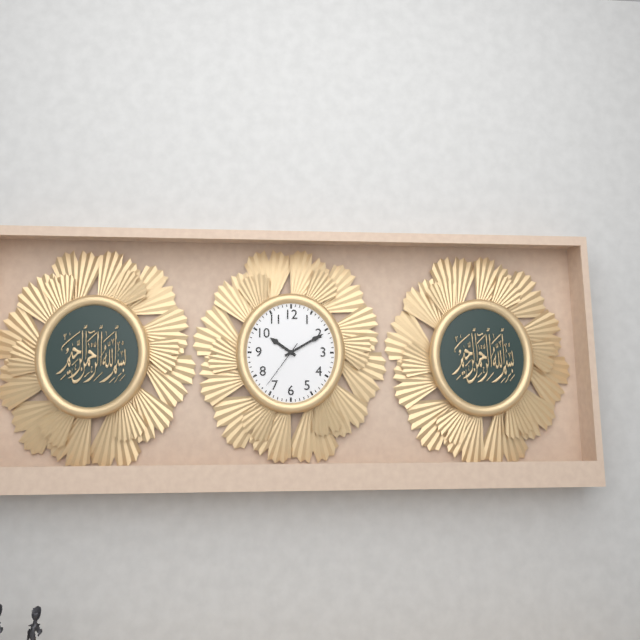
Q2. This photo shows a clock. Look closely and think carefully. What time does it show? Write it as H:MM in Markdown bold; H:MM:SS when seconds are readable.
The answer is **10:10:36**
